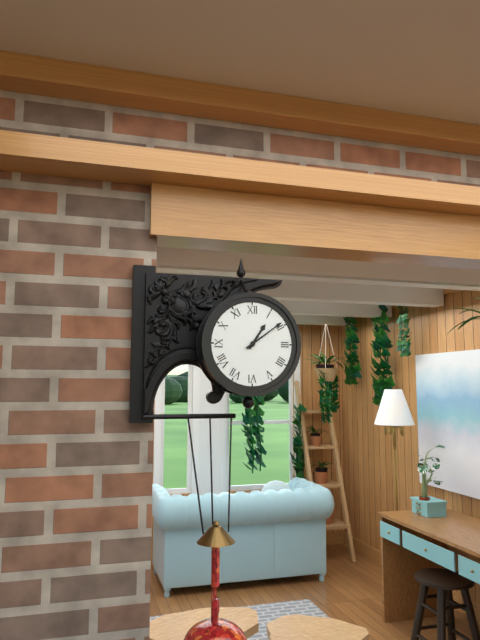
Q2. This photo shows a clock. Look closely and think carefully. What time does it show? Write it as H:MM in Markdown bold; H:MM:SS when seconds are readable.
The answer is **1:09**
